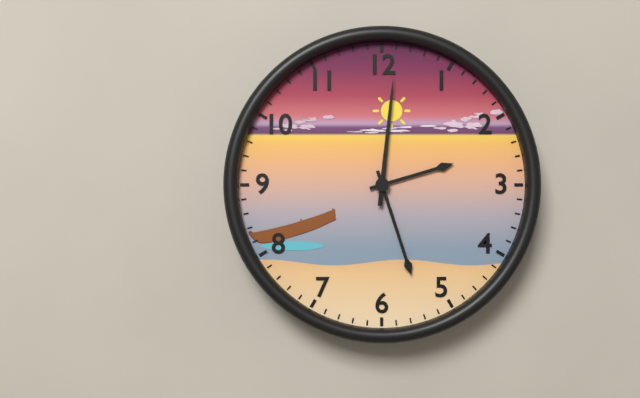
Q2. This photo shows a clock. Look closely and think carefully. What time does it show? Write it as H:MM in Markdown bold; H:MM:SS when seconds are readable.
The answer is **2:27:01**
